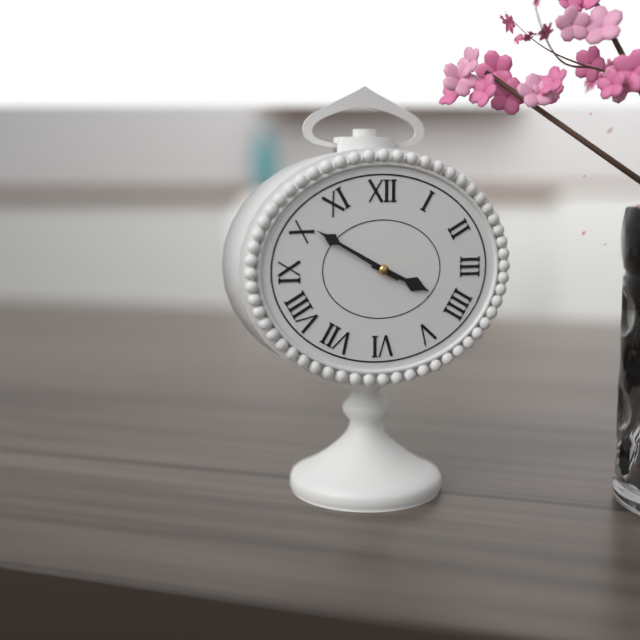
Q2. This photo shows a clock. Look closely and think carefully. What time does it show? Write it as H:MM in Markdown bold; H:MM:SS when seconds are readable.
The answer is **3:50**
